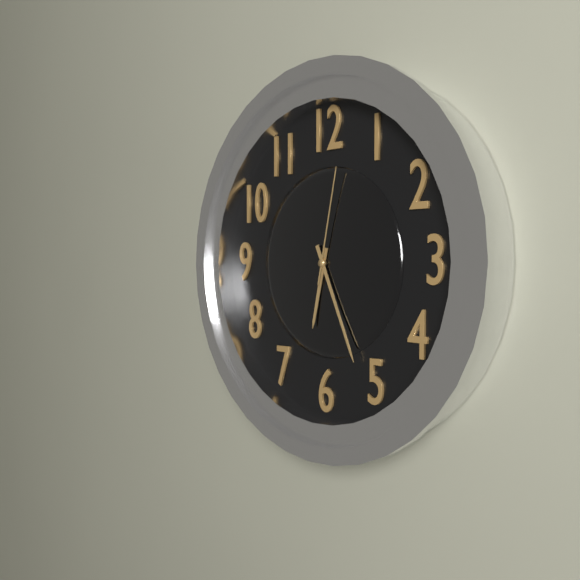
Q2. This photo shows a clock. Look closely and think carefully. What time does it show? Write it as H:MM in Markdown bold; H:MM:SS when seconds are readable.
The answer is **6:26:02**
